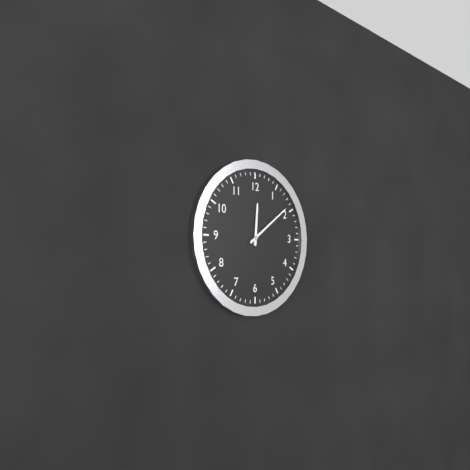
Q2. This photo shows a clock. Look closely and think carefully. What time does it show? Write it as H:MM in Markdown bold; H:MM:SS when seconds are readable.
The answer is **12:09**
